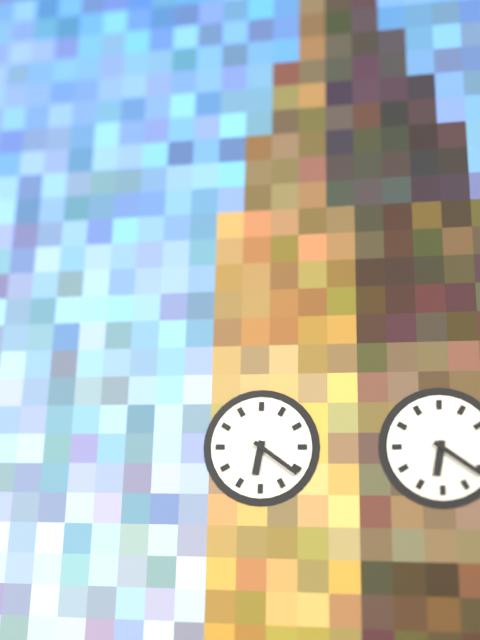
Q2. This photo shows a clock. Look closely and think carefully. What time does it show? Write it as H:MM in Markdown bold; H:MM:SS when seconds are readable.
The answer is **6:21**
